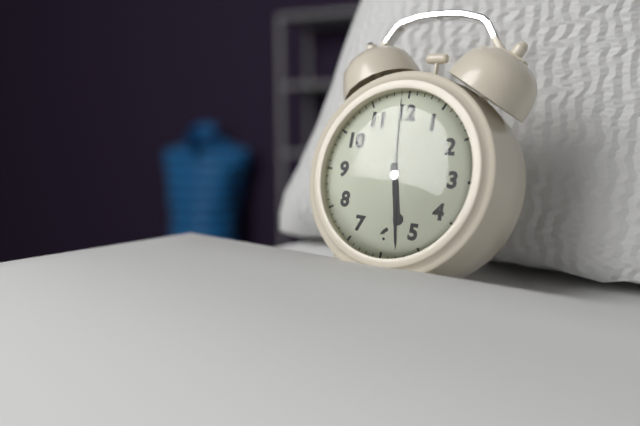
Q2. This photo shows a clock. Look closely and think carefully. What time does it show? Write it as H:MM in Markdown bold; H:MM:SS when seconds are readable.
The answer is **5:28:59**
